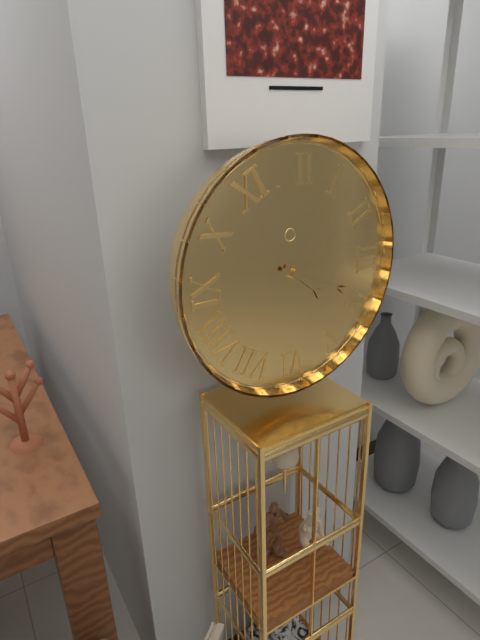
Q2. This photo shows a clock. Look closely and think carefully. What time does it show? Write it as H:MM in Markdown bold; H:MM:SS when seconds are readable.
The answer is **4:19**
